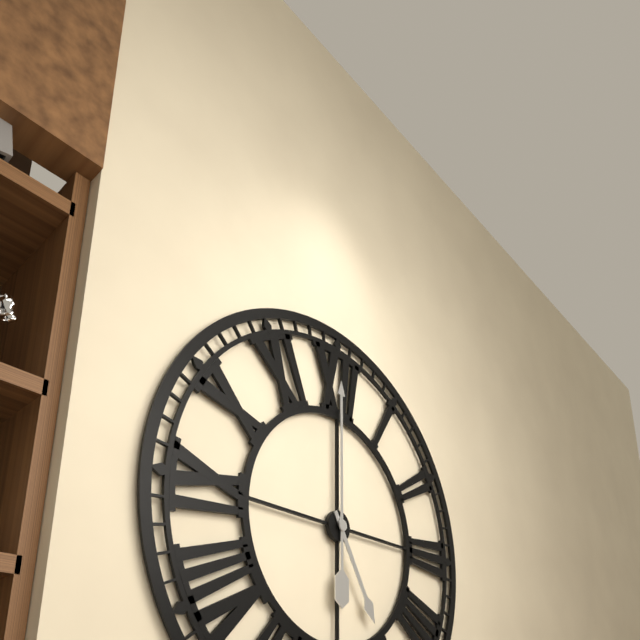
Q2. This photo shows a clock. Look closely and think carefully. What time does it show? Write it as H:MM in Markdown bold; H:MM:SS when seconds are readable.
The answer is **5:00**
